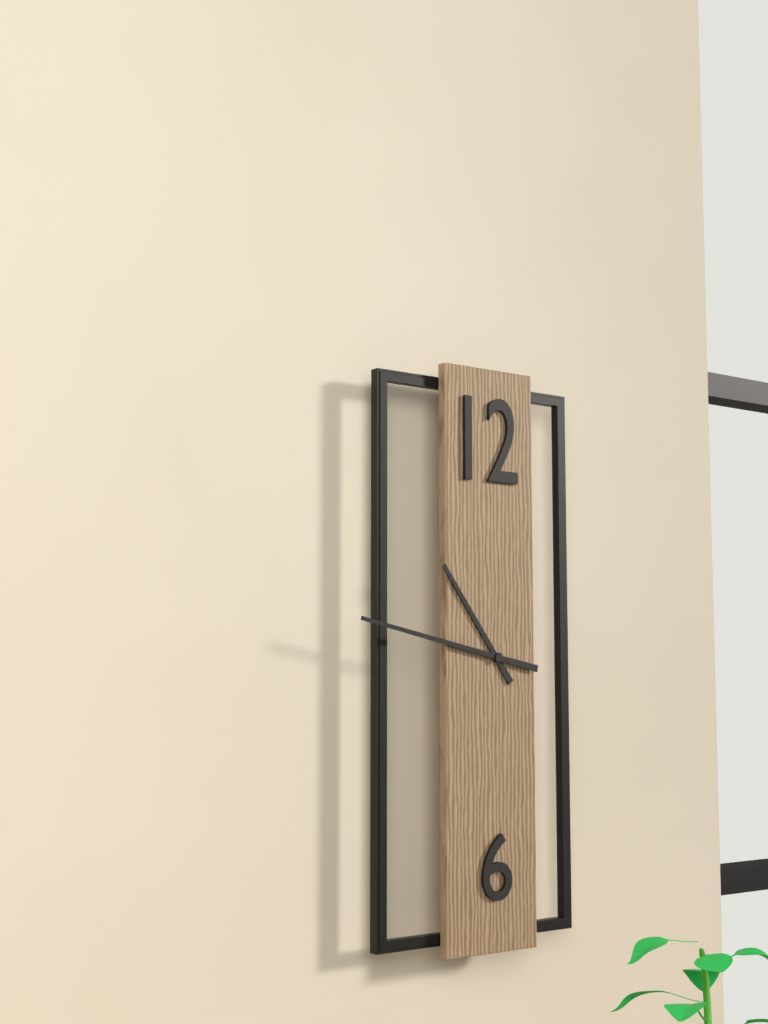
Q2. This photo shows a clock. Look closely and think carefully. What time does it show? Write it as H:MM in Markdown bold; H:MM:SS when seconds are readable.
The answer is **10:47**
